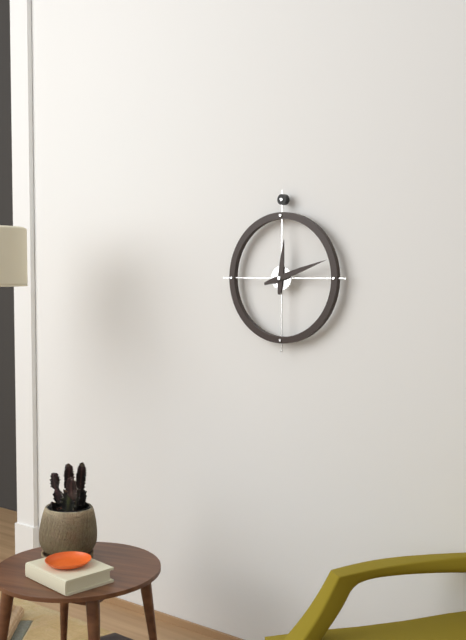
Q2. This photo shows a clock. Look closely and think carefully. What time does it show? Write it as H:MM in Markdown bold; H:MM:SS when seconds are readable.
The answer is **12:12**
